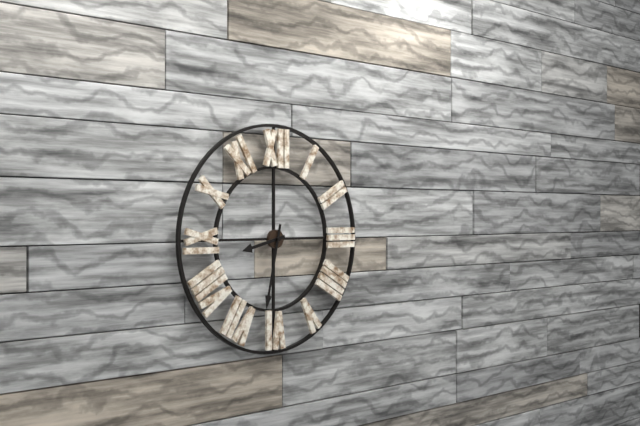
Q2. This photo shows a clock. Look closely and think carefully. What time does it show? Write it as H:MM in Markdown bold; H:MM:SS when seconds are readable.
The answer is **8:32**
